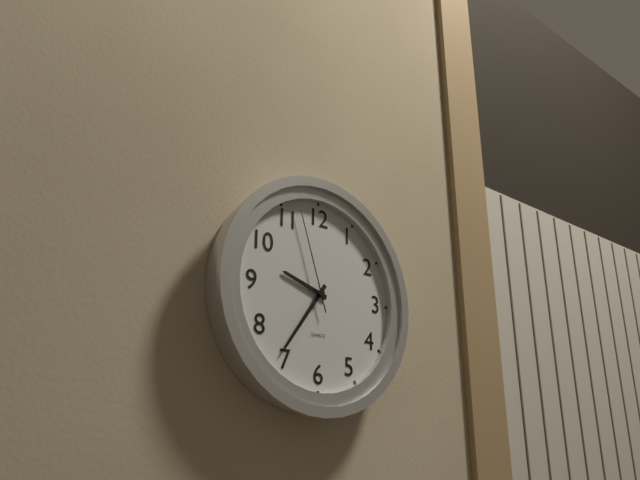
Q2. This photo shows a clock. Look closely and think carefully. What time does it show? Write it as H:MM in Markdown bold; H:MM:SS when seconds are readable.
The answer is **9:36:57**
